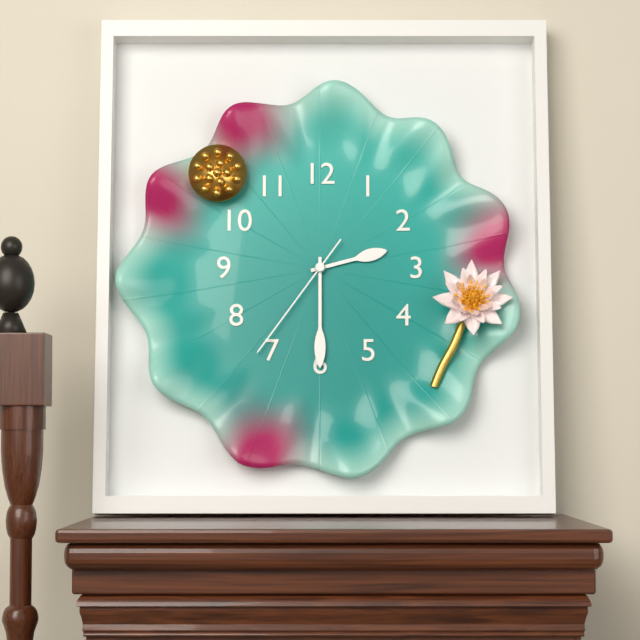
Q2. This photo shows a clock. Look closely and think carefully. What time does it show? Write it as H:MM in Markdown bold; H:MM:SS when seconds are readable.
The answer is **2:30:36**
